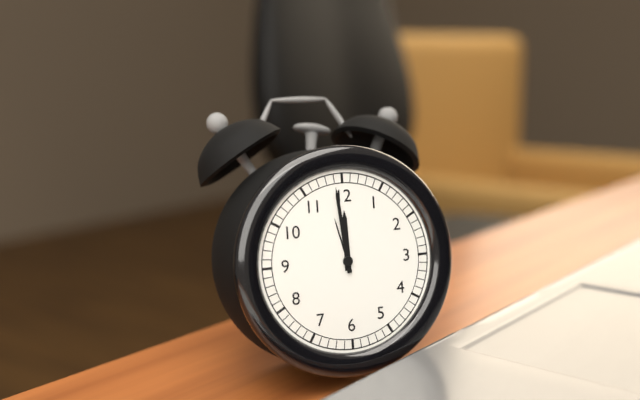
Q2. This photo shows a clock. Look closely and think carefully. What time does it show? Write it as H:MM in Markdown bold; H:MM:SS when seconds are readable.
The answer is **11:59**
